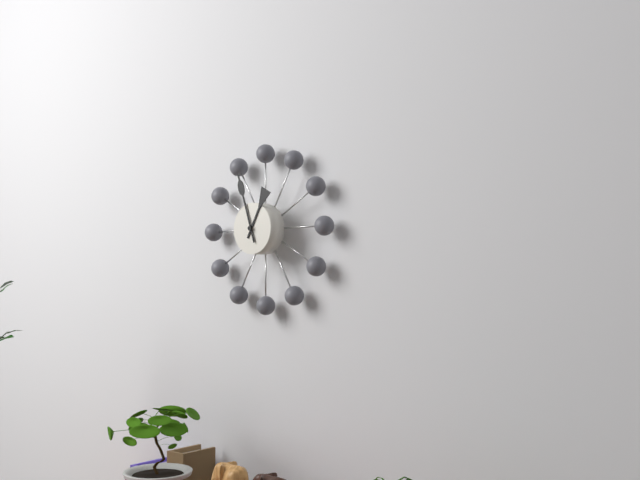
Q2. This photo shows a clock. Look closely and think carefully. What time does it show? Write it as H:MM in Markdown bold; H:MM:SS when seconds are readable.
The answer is **12:57**
